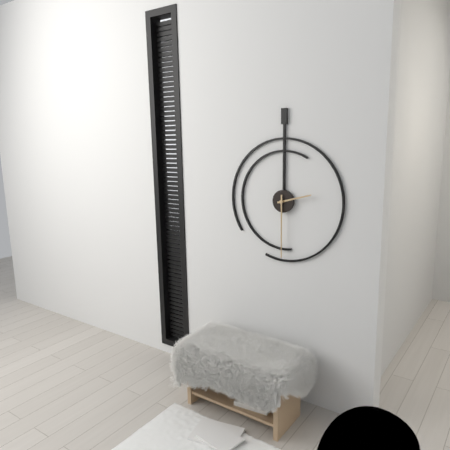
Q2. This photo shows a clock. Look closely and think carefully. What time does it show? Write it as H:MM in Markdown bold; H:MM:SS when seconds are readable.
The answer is **2:30**
